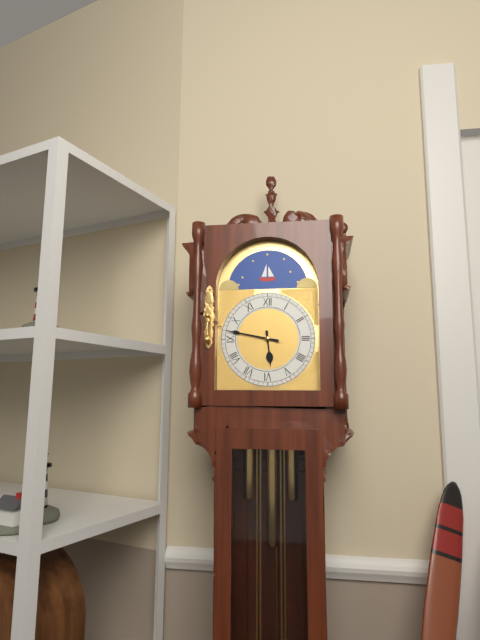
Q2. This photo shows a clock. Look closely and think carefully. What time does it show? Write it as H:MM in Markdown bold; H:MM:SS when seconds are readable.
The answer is **5:47**
